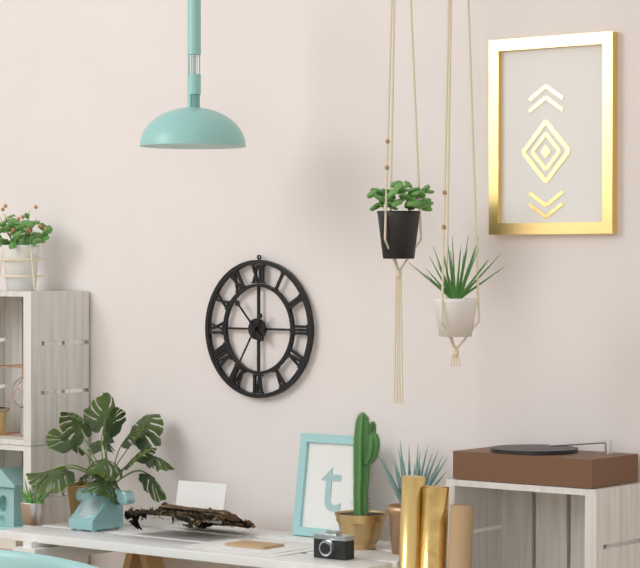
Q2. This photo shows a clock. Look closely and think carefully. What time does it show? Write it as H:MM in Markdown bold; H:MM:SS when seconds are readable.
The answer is **10:35**
